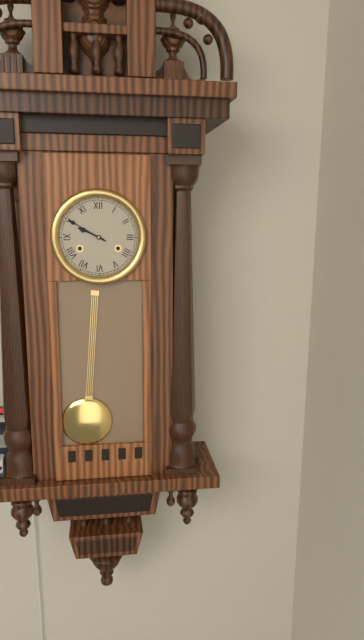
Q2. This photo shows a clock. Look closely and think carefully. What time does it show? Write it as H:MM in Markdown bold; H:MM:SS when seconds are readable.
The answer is **9:50**
